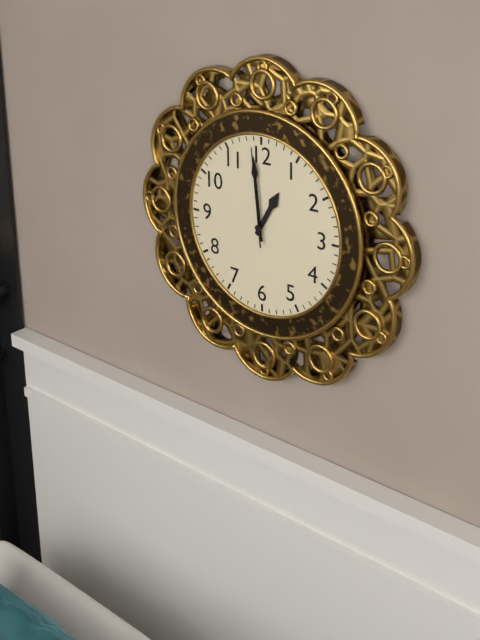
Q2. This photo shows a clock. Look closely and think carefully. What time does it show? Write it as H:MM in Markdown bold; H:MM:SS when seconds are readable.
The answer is **12:59:59**
